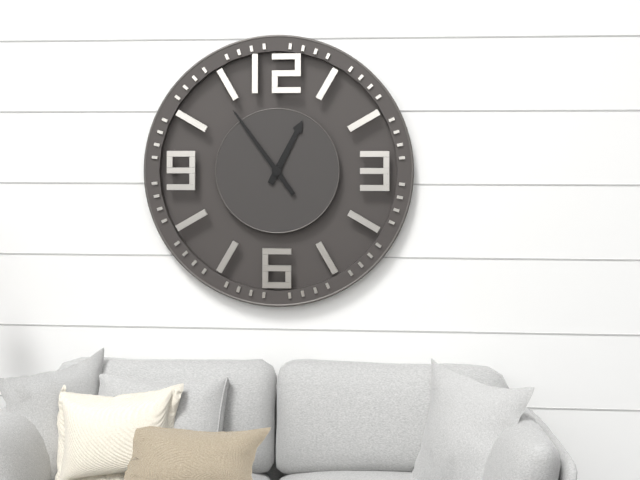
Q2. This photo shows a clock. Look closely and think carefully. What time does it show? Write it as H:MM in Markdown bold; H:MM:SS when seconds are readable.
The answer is **12:54**
